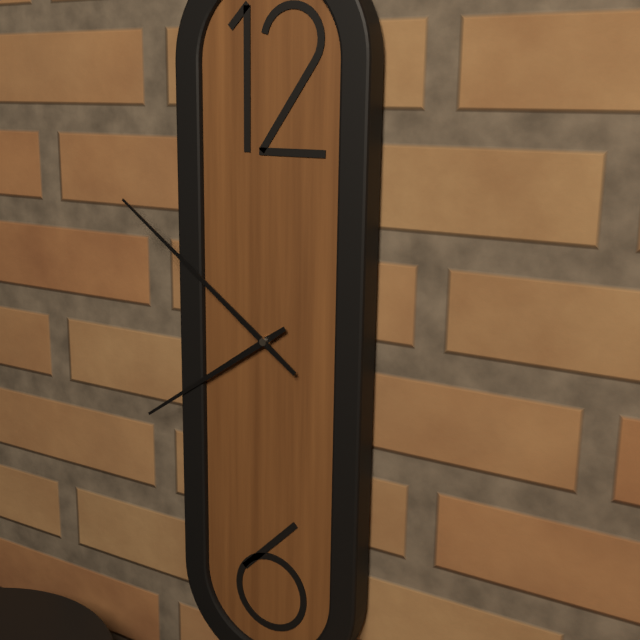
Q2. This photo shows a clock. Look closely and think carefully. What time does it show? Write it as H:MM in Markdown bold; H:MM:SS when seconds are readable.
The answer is **7:51**
